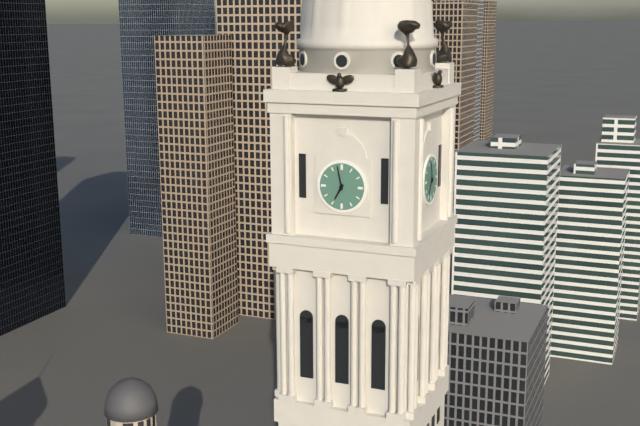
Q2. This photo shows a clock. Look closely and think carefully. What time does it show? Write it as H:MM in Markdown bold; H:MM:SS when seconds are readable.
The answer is **6:58**
